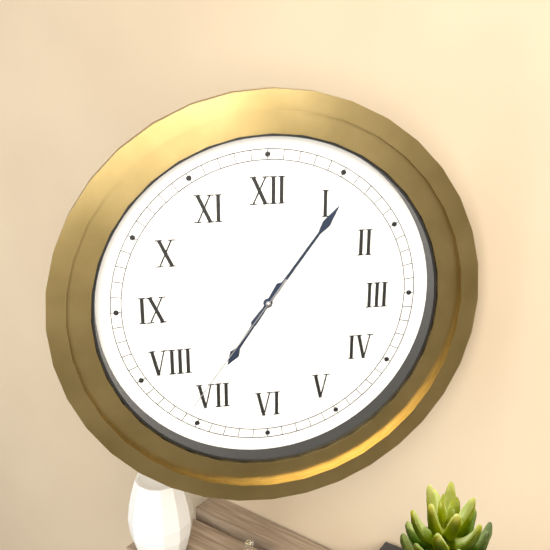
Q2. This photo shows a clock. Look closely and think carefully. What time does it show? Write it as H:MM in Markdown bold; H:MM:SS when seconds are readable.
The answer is **7:06:36**
